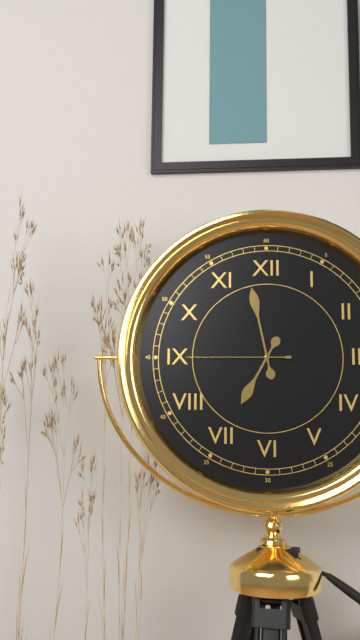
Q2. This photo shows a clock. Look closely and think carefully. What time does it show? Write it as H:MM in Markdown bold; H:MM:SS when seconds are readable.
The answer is **6:58:45**
